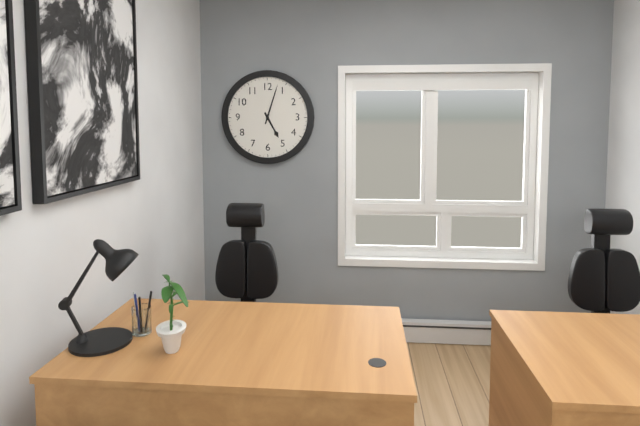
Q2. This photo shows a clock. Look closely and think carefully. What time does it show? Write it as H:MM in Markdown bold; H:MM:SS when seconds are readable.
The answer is **5:03**
